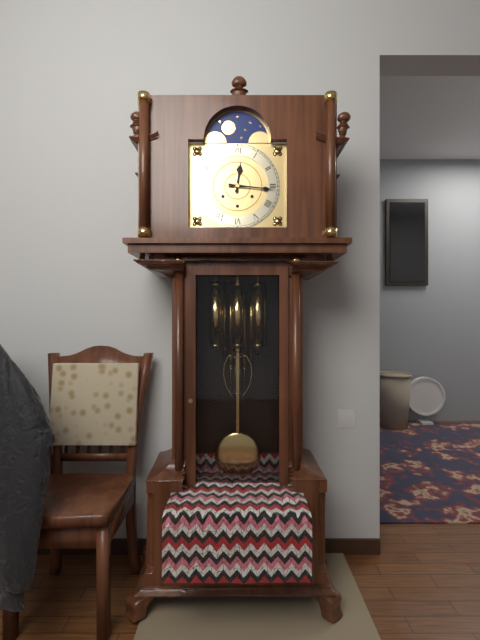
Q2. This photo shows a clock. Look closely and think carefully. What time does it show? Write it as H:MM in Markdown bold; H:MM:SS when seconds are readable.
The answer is **12:16**
